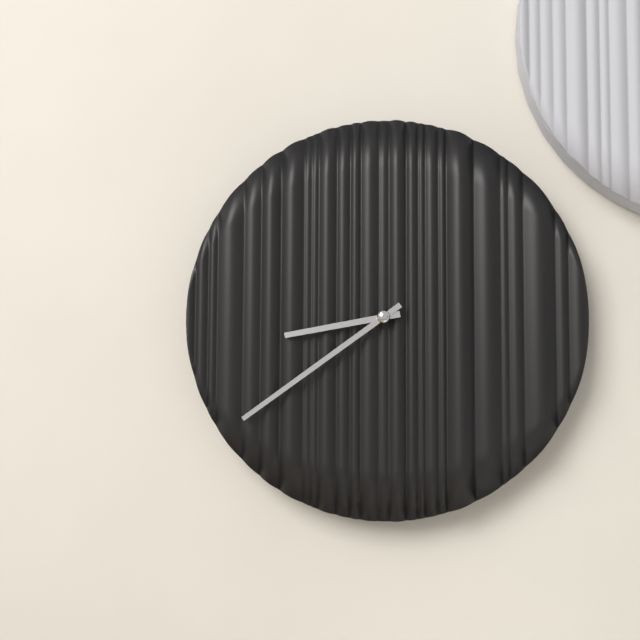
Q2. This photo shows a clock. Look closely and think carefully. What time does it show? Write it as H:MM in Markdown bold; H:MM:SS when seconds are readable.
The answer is **8:39**
